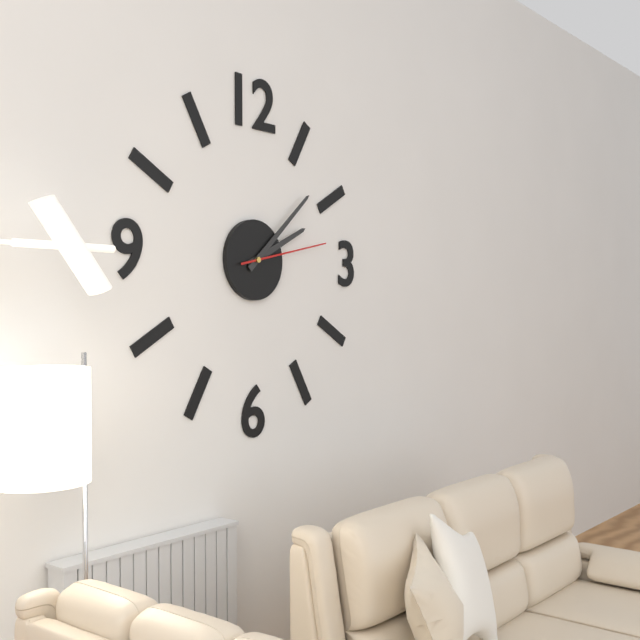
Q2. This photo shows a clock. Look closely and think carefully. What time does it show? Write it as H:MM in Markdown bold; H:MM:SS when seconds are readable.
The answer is **2:08:13**
